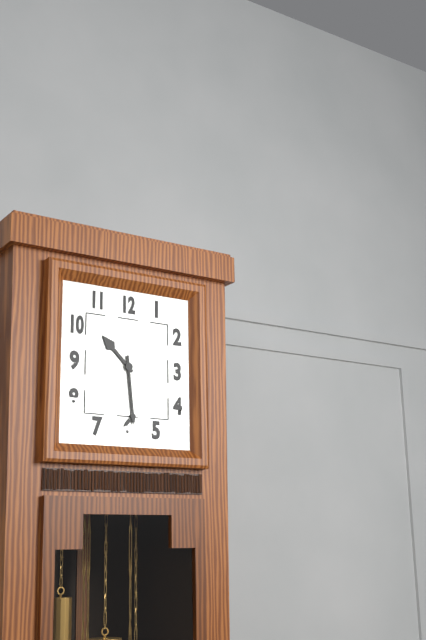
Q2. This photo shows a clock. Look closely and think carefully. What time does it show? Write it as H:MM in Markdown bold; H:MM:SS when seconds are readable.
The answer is **10:29**
